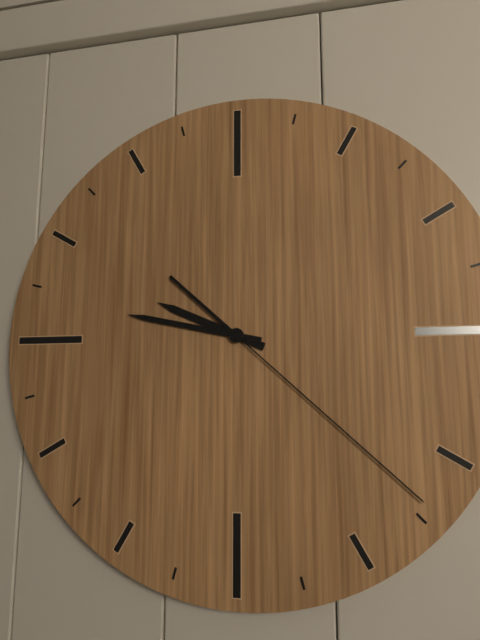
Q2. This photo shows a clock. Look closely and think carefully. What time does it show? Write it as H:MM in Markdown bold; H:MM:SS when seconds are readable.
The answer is **9:47:22**
